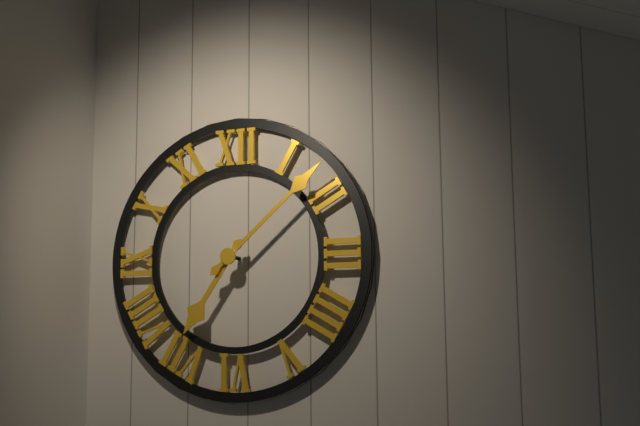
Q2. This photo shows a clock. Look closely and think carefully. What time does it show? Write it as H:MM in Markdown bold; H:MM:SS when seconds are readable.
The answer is **7:08**
